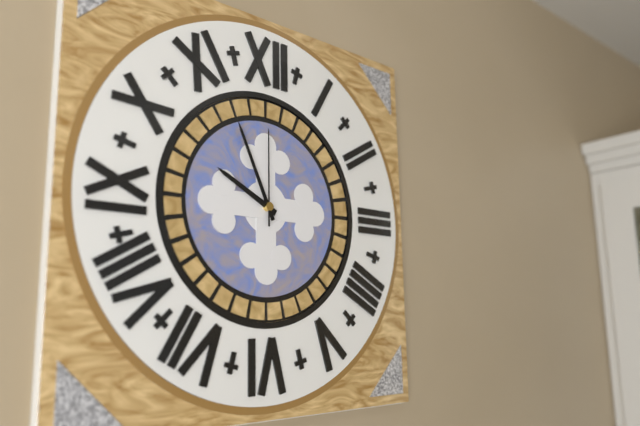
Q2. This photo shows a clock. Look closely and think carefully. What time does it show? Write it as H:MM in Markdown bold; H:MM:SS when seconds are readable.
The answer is **9:56:00**
